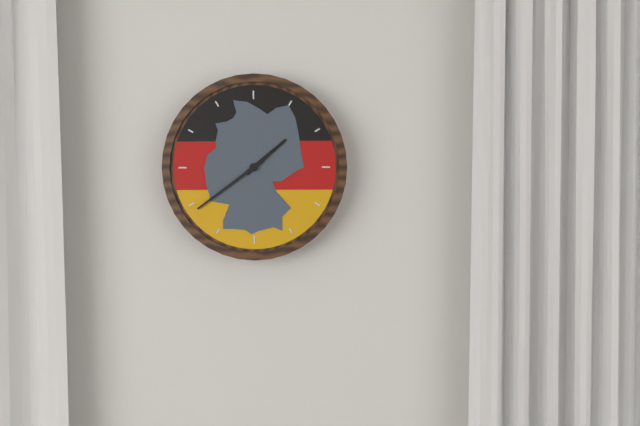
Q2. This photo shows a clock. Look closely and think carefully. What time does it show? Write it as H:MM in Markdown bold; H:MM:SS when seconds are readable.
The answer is **1:39**
